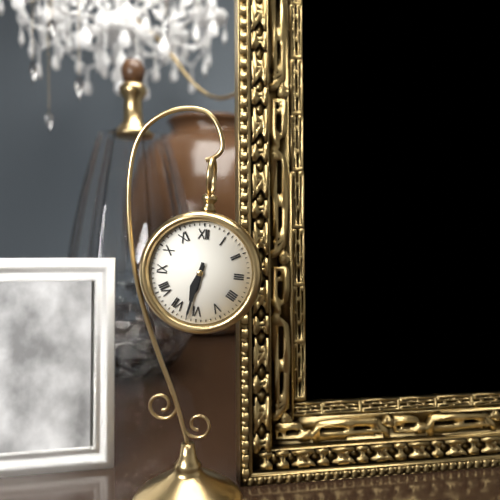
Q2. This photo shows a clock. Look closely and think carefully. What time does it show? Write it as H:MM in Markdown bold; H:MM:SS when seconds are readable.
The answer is **6:32**
